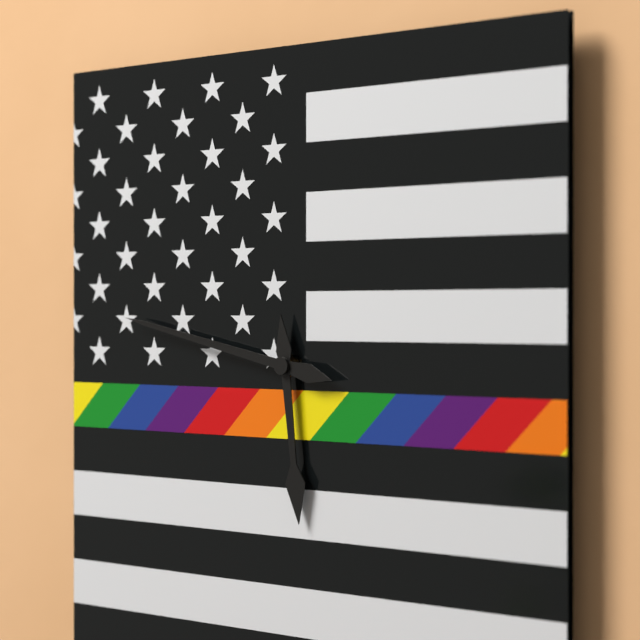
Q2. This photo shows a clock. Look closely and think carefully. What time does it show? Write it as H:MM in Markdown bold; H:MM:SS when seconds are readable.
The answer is **5:47**
